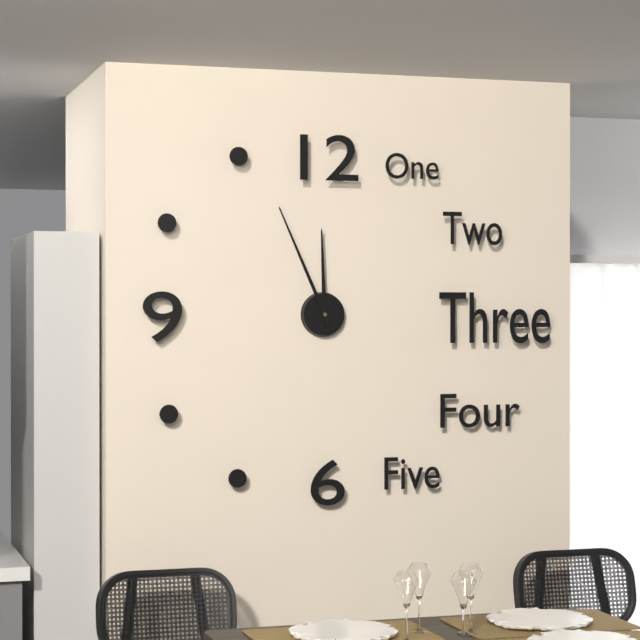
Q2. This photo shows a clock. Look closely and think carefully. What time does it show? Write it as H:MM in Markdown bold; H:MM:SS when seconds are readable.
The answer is **11:56**
